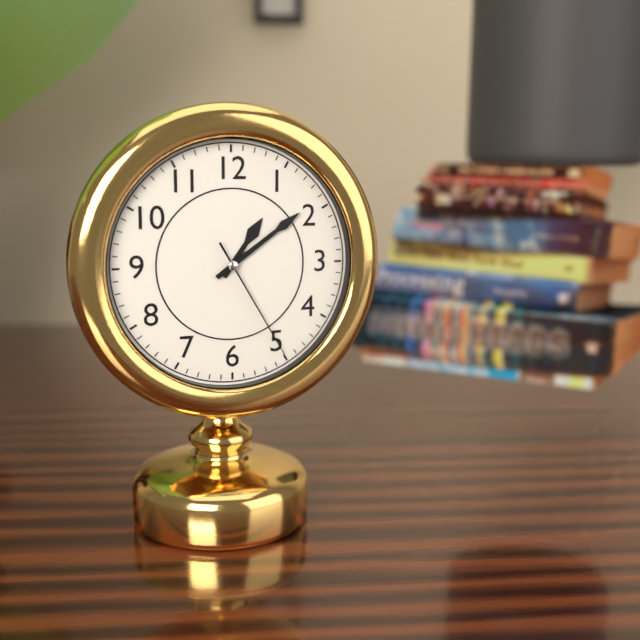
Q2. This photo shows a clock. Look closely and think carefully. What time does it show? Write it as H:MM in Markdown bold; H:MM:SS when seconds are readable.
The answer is **1:09:25**
